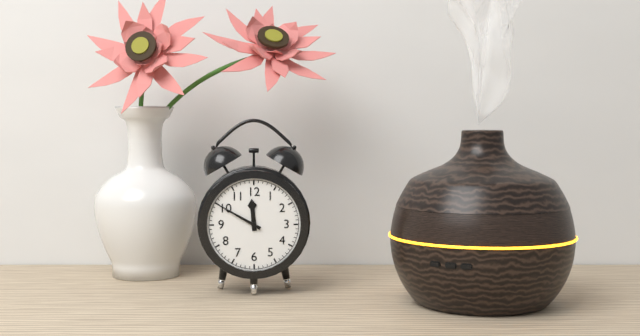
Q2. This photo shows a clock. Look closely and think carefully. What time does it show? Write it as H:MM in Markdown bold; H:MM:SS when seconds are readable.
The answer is **11:50**
